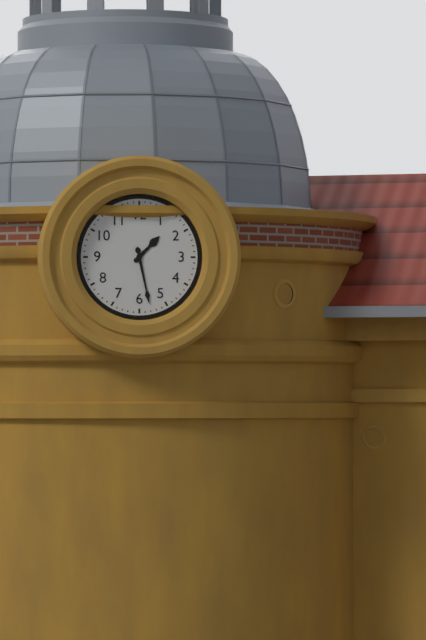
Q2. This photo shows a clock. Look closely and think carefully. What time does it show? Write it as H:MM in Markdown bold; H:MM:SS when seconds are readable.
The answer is **1:28**
